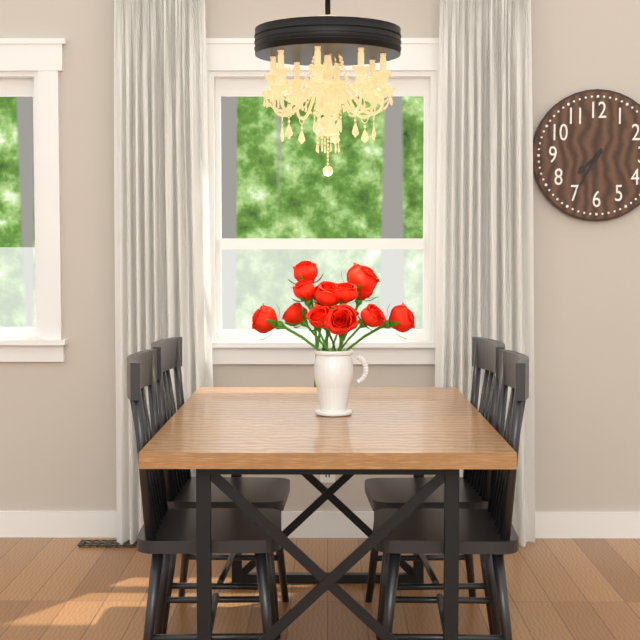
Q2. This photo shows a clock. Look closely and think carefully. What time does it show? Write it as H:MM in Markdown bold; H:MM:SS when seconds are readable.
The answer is **7:35**
